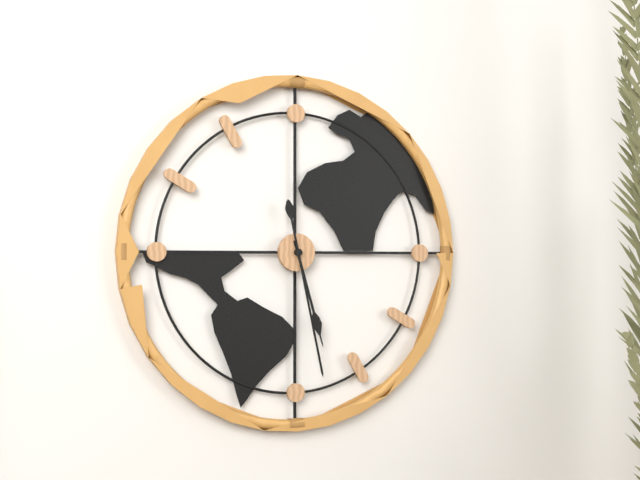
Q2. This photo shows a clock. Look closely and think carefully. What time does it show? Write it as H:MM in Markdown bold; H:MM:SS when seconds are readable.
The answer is **5:28**
